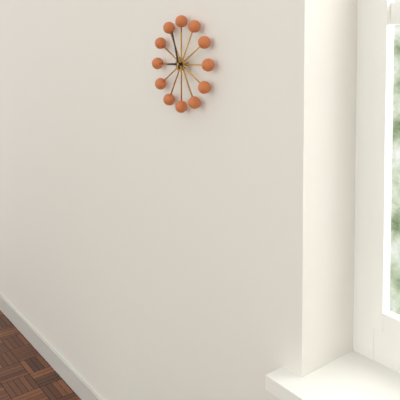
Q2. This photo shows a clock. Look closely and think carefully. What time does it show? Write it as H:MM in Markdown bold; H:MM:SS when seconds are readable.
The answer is **8:57**
